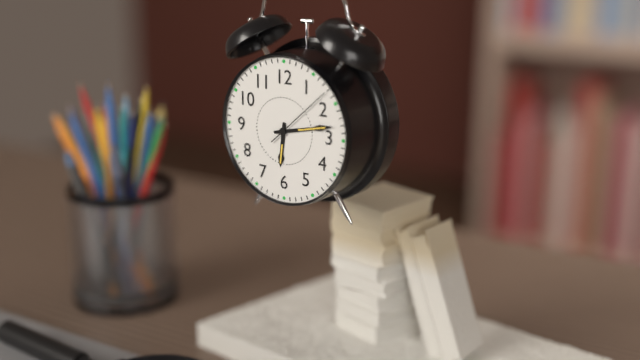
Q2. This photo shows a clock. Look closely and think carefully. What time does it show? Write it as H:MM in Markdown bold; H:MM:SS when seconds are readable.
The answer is **6:13:08**
